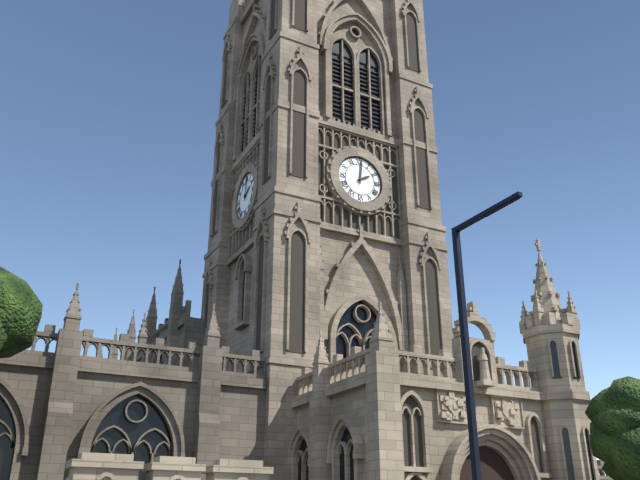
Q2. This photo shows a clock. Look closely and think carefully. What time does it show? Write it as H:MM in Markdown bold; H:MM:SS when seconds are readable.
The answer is **2:01**
